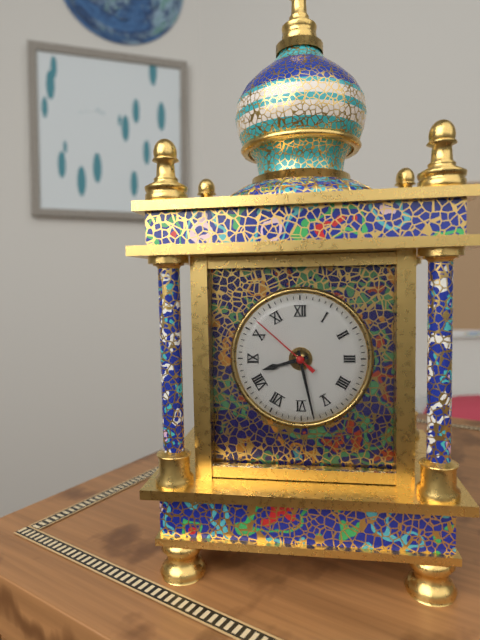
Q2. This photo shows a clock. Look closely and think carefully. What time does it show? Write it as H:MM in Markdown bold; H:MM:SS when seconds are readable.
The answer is **8:28:52**
